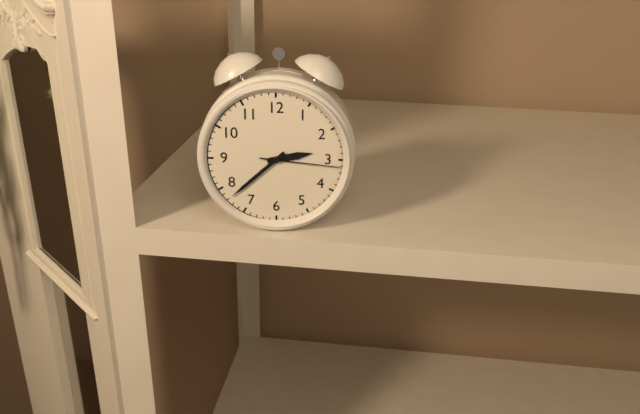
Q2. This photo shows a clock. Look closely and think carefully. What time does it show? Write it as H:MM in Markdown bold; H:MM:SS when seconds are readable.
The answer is **2:38:16**
